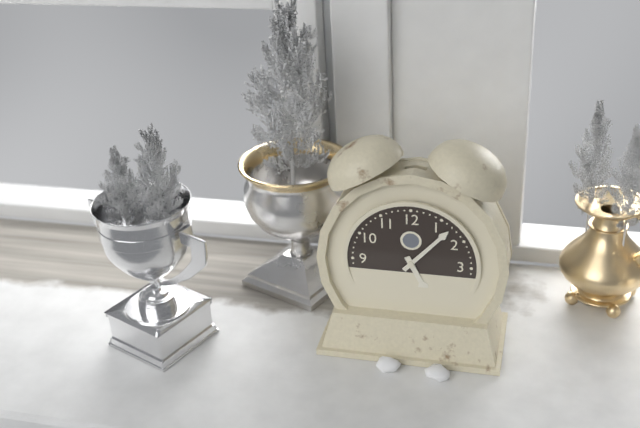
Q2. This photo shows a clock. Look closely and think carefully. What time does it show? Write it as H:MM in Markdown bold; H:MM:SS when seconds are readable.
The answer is **5:07**
